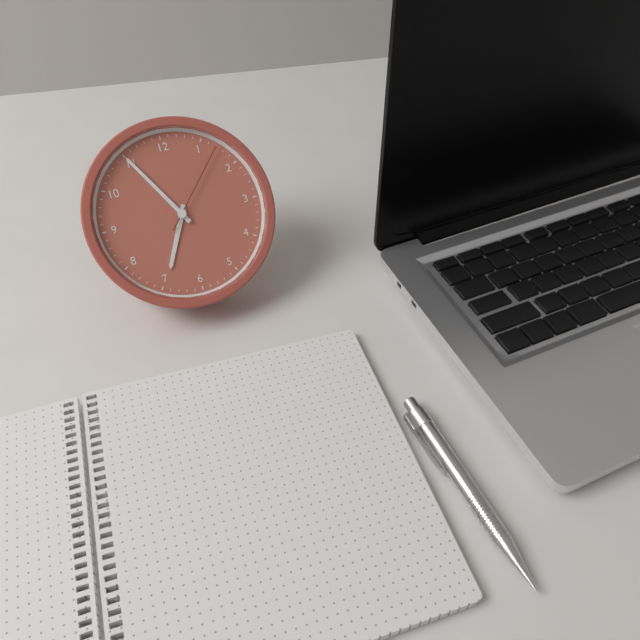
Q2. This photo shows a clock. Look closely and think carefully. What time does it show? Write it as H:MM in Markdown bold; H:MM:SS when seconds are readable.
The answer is **6:55:07**
